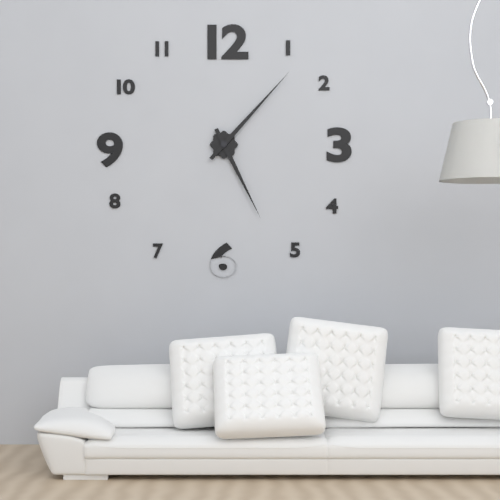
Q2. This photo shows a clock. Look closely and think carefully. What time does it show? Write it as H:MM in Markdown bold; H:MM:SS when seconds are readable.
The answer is **5:07**
